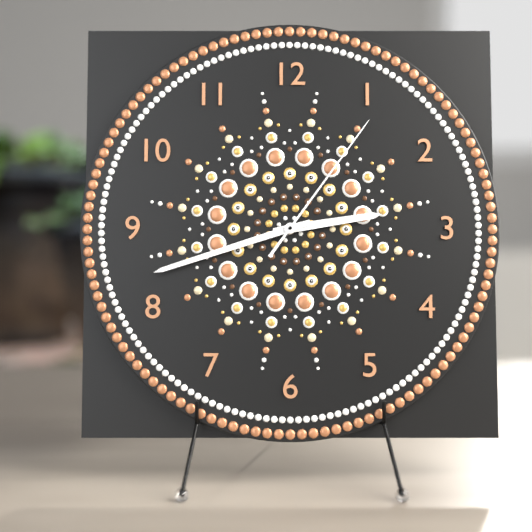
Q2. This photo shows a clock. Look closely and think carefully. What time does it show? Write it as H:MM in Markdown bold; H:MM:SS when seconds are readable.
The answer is **2:42:06**
